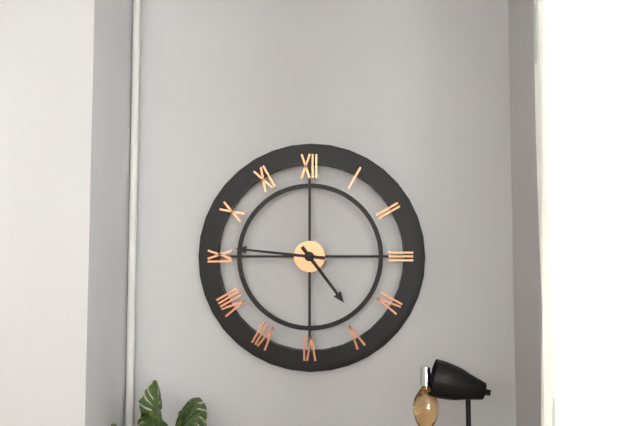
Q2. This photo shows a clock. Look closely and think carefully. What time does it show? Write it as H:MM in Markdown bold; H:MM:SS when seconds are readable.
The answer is **4:46**
